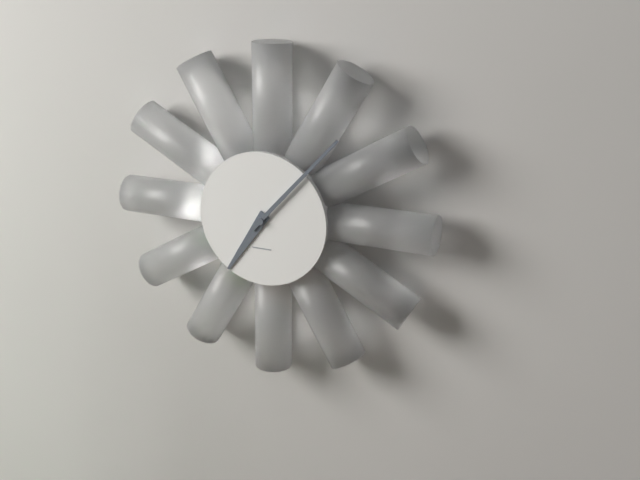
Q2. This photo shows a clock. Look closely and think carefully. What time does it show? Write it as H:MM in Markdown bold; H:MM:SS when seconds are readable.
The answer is **7:07**
